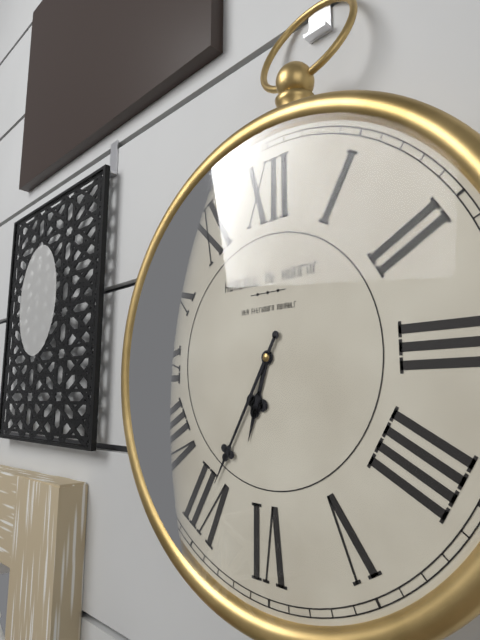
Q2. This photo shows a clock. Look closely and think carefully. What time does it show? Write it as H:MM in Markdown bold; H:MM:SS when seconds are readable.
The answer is **6:35**
